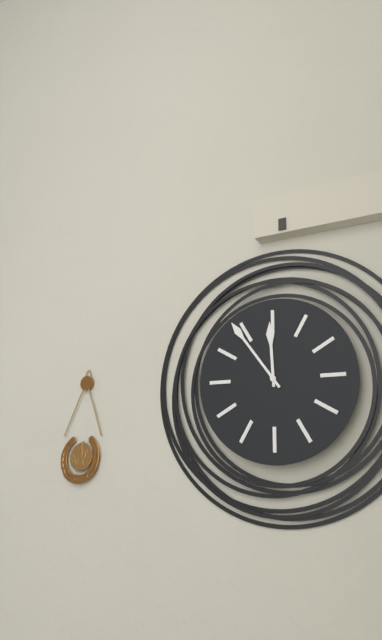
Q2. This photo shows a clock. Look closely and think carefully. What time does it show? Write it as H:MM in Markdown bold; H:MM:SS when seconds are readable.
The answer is **11:54**
